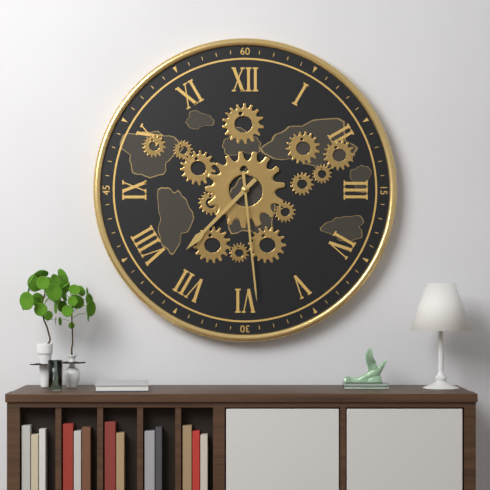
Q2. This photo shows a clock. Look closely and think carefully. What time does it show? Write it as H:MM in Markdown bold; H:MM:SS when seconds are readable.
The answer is **7:29**
